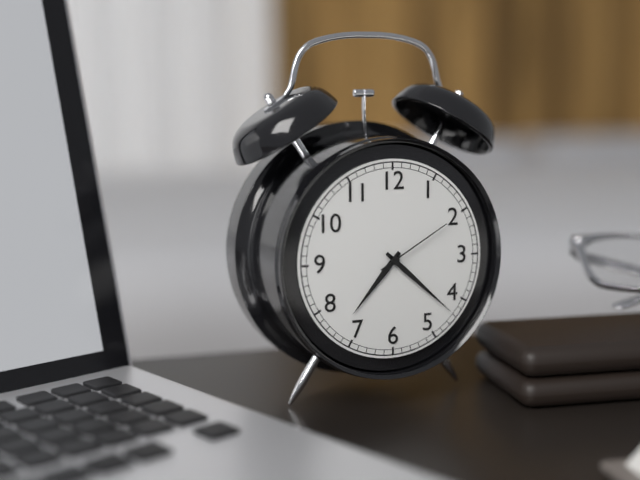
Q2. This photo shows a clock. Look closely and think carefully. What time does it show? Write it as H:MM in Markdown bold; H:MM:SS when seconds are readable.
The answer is **7:22:10**
